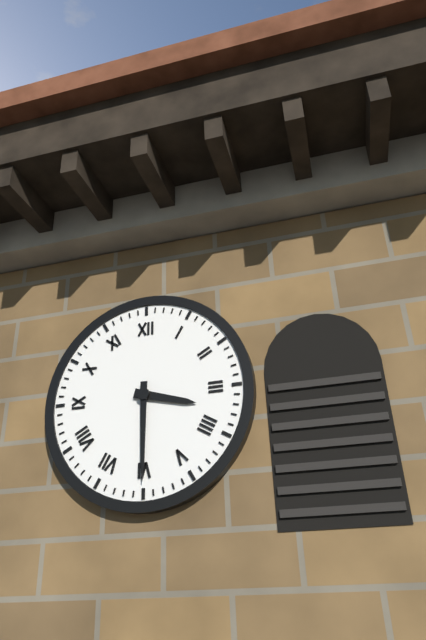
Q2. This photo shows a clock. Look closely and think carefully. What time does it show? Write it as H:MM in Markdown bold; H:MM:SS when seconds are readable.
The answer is **3:30**
